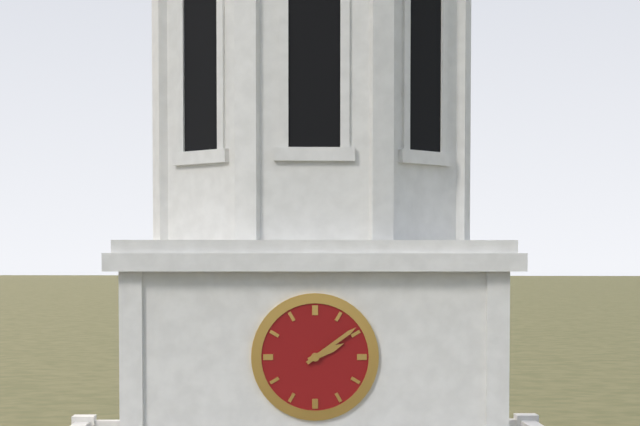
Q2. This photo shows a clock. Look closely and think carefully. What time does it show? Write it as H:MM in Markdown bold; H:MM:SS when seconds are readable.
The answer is **2:09**
